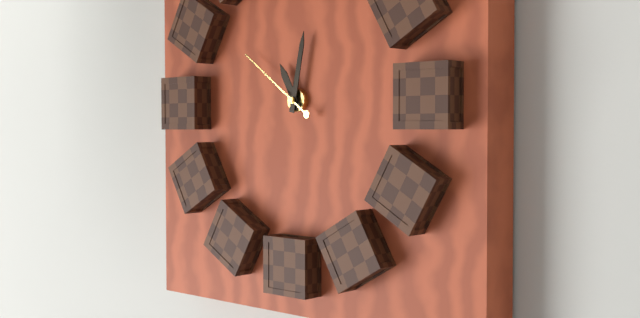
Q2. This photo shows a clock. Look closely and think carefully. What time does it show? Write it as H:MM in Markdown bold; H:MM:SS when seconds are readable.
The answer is **11:02:51**
